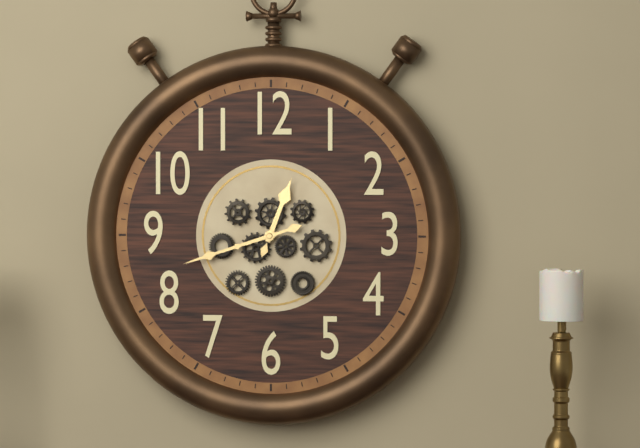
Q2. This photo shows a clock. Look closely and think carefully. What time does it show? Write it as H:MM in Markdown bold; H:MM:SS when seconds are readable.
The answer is **12:42**
